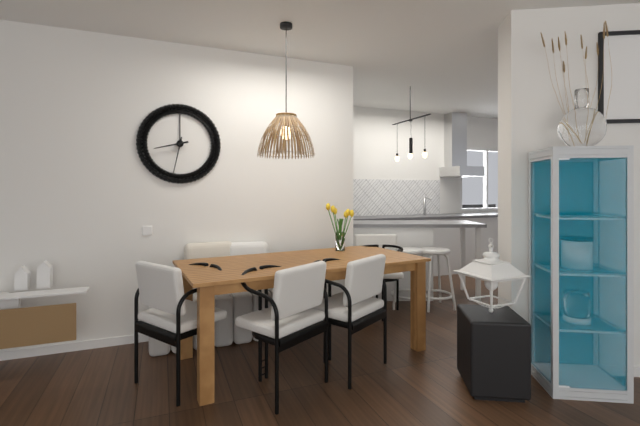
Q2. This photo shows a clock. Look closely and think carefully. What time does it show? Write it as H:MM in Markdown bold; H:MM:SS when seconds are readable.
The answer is **8:32**
